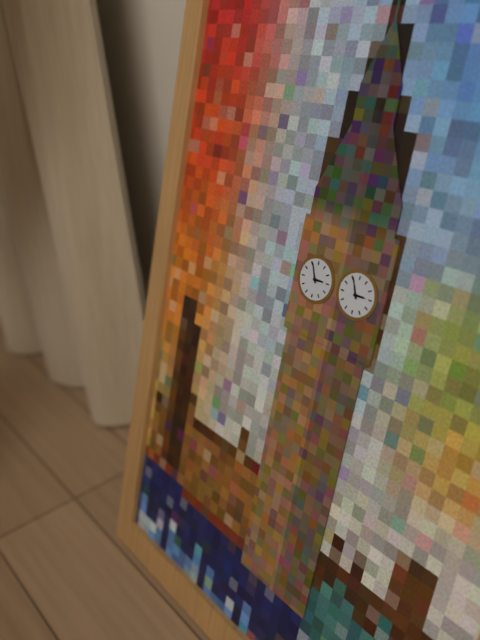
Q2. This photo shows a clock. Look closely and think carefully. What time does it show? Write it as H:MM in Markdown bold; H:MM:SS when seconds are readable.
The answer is **2:56**
